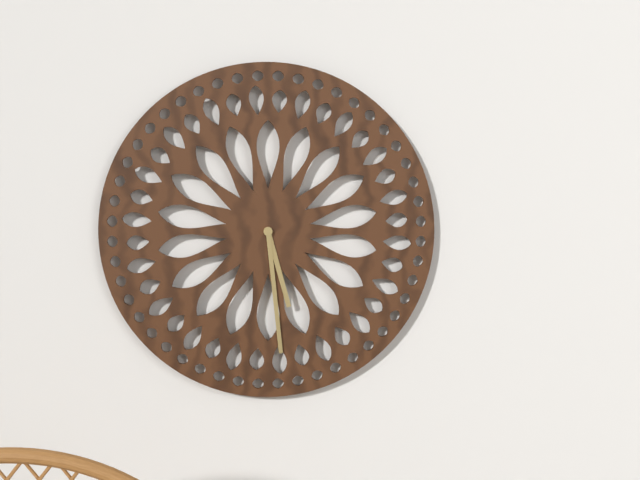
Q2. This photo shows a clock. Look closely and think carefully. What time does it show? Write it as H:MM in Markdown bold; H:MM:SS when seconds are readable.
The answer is **5:29**
